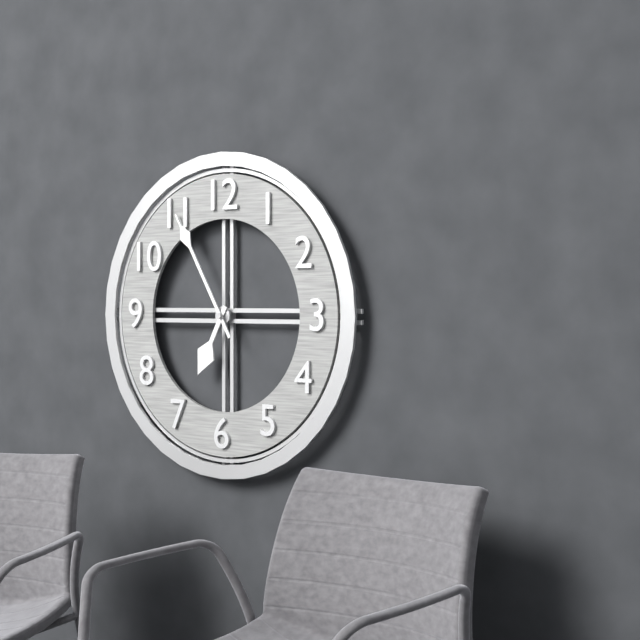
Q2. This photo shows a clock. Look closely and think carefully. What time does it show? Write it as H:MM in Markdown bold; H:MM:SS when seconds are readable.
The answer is **6:55**
